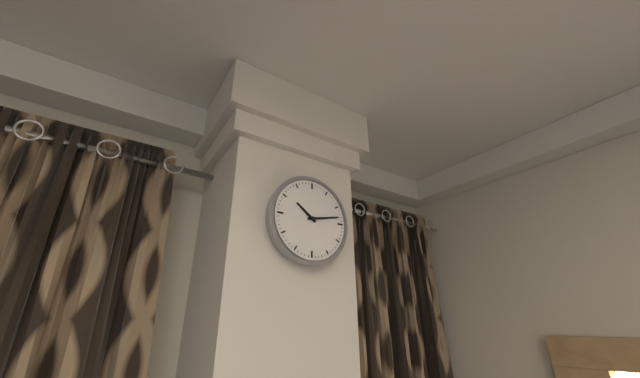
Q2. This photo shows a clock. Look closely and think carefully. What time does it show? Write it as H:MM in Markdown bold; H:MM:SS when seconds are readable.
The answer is **10:13**
